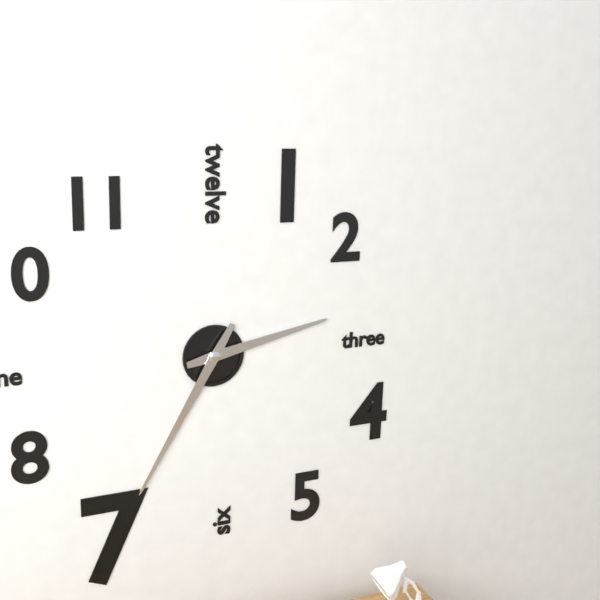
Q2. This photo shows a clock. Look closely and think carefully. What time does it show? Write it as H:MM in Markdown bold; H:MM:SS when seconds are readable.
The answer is **2:35**
